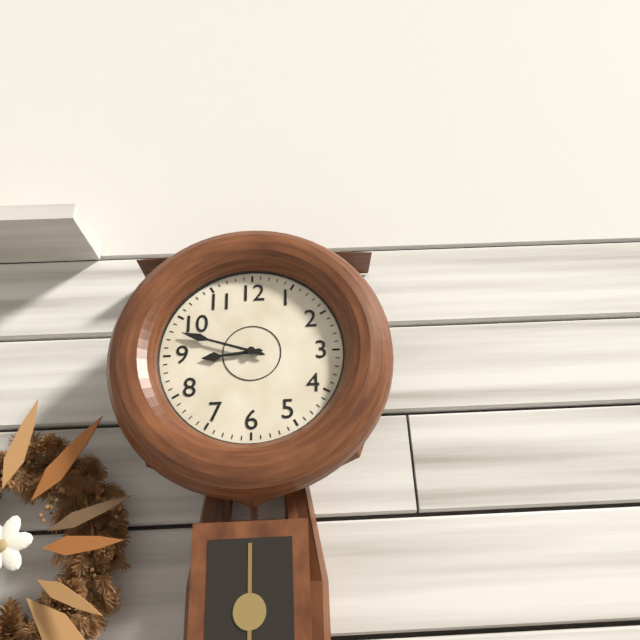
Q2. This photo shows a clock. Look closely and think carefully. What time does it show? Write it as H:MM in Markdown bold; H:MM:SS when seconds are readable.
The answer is **8:48**
